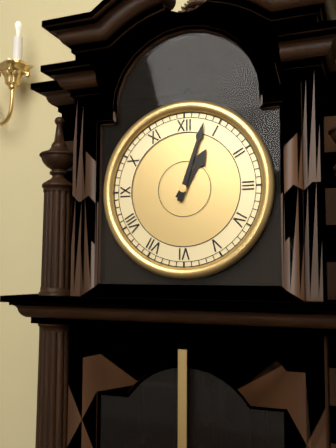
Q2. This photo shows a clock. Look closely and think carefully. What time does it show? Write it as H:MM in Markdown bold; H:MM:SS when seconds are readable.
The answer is **1:03**
